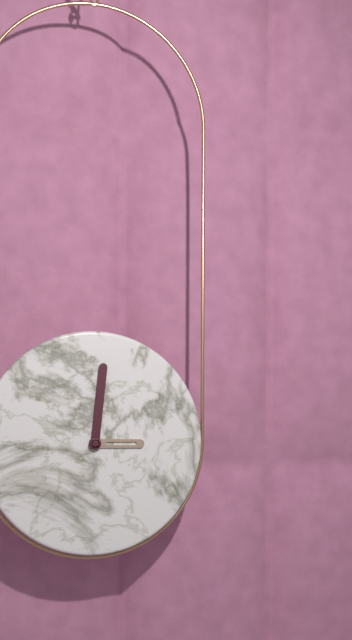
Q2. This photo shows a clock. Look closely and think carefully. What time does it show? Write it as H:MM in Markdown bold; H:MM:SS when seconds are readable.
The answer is **3:01**
